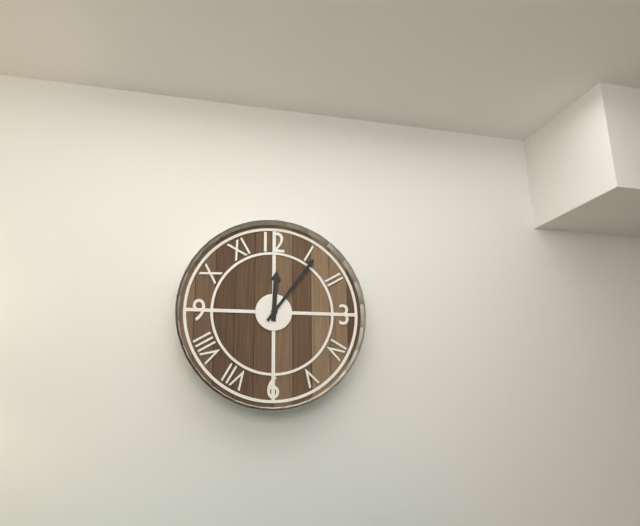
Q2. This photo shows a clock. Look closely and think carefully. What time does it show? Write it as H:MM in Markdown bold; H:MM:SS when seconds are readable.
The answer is **12:06**
